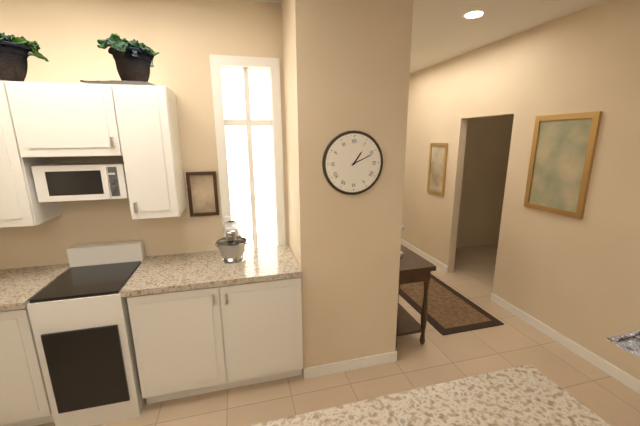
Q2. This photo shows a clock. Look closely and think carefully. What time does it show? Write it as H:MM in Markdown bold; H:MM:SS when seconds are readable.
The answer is **1:11**
